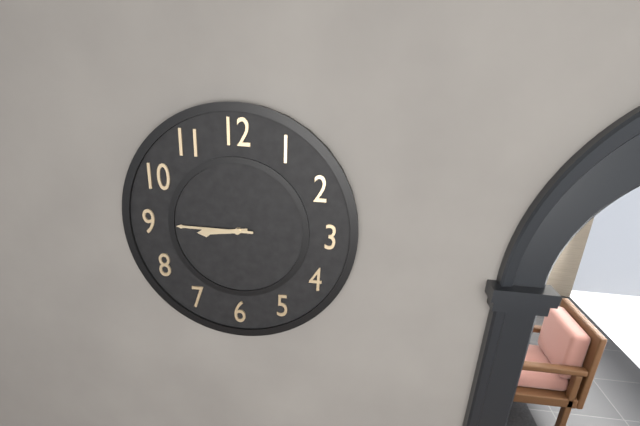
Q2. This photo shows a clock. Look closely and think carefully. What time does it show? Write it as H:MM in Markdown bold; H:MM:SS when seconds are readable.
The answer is **8:45**
